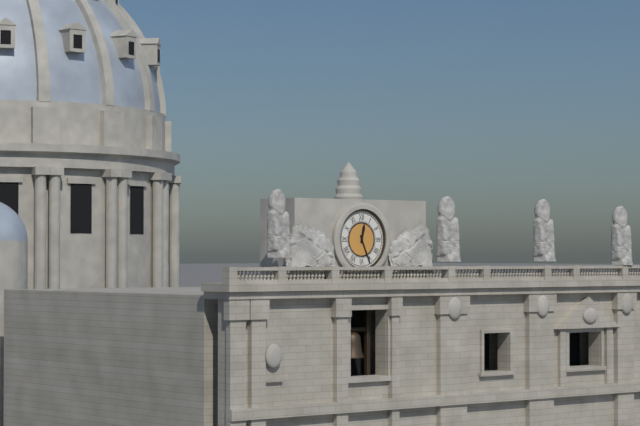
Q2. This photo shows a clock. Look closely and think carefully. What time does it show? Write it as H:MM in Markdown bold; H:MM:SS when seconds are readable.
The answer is **12:26**
